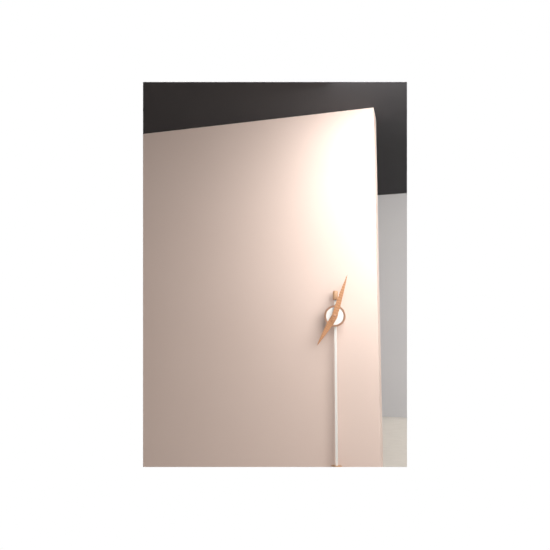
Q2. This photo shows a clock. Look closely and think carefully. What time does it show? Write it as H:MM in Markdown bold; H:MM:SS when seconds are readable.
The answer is **7:03**
